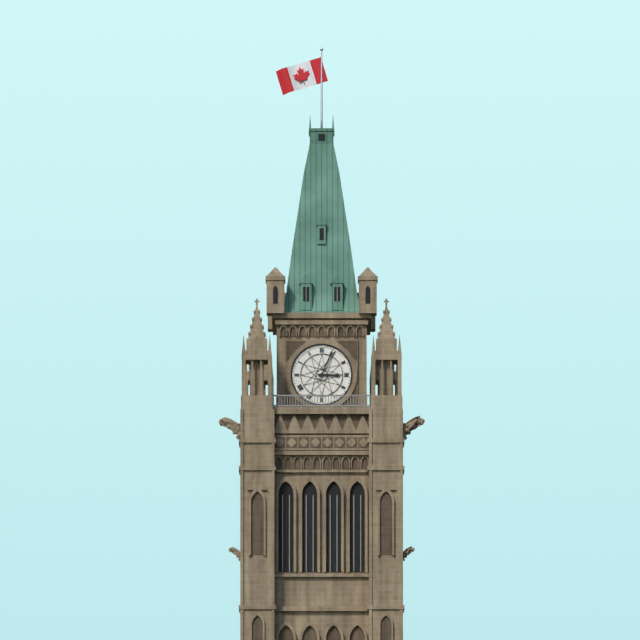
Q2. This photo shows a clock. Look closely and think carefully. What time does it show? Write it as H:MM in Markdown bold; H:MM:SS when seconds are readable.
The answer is **3:04**
